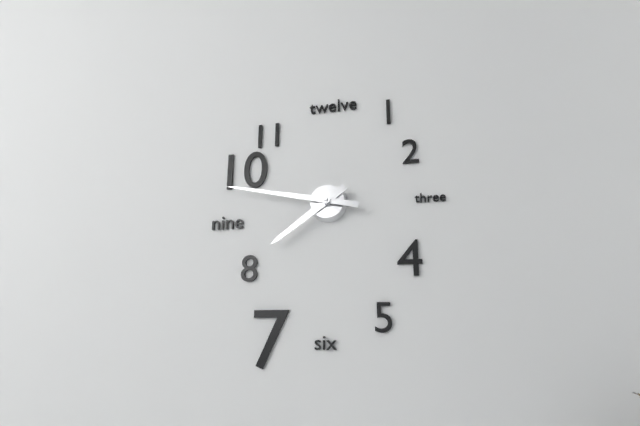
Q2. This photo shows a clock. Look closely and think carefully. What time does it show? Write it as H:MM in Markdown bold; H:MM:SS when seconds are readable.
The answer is **7:47**
